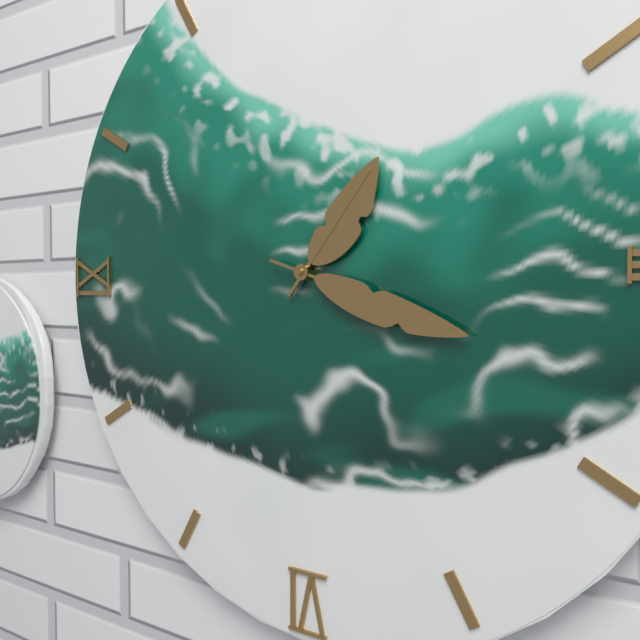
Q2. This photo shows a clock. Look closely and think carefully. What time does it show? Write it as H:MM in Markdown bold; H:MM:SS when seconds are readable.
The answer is **1:18**
